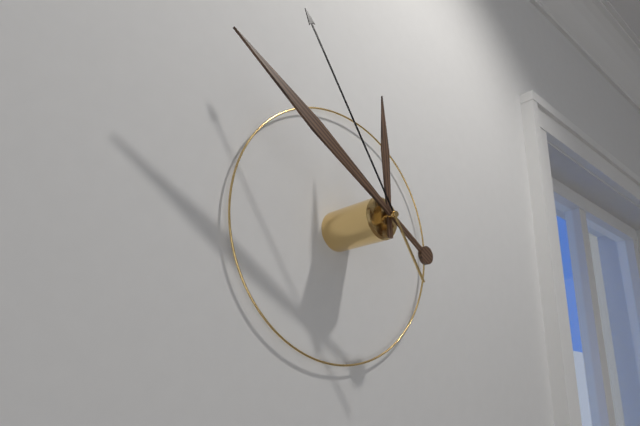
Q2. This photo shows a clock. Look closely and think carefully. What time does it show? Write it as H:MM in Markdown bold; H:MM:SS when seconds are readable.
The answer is **11:50:54**
